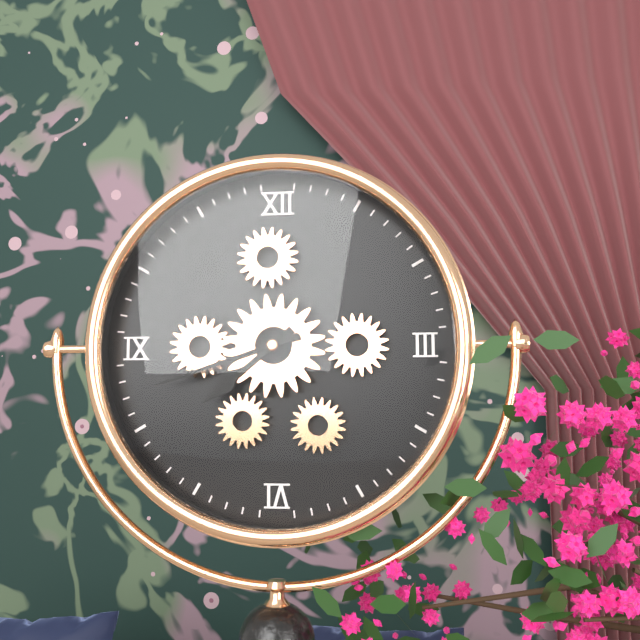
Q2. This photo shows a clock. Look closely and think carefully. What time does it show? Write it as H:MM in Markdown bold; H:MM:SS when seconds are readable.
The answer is **7:42**
